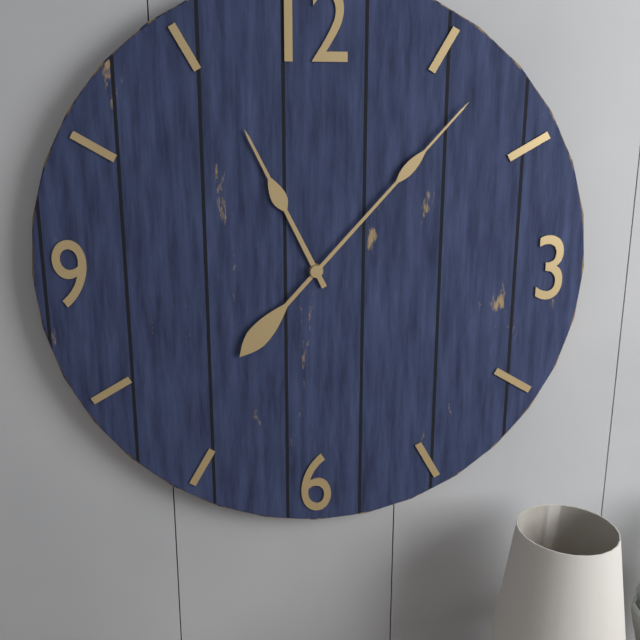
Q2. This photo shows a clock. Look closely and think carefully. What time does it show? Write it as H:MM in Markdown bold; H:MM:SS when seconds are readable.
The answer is **11:07**
